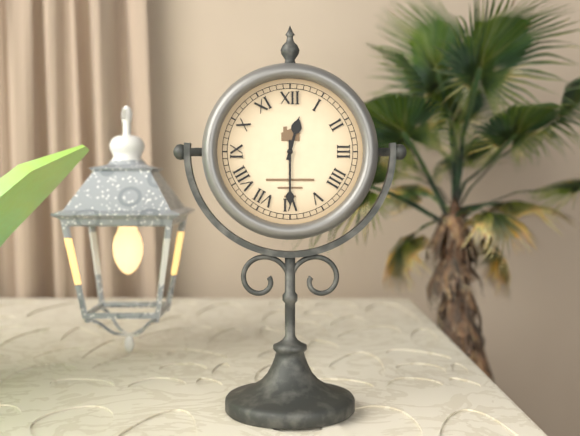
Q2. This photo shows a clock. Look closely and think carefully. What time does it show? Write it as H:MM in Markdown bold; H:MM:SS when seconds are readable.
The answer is **12:30**
